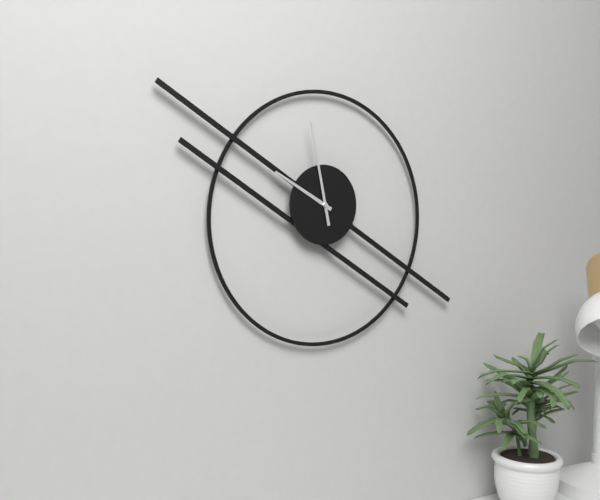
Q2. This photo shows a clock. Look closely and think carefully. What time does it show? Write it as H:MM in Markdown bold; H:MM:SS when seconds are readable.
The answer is **9:58**
